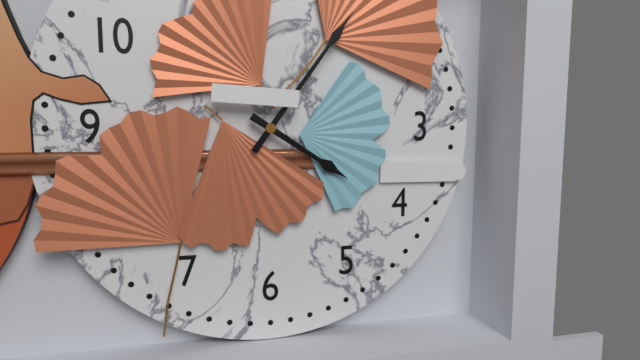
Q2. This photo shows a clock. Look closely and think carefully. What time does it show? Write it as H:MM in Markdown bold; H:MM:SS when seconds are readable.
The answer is **4:06**
